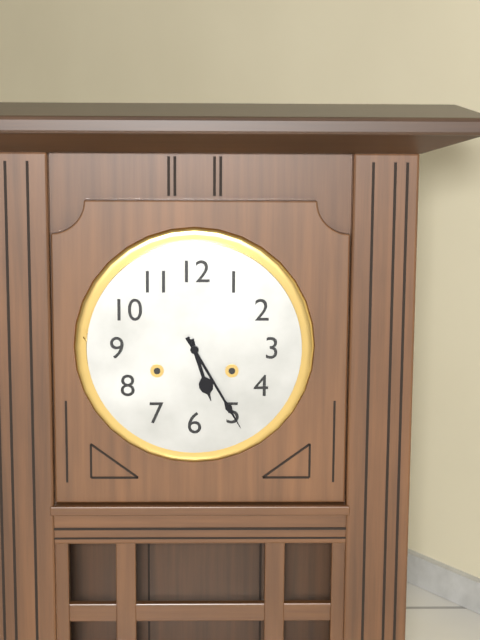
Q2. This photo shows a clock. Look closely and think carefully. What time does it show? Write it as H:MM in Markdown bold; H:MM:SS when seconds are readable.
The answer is **5:25**
